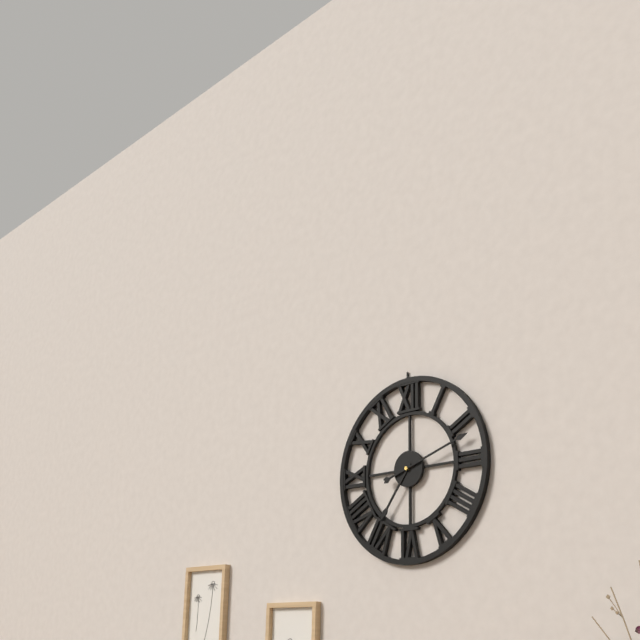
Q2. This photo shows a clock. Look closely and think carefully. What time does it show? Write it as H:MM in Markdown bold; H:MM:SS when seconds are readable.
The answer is **7:12**
